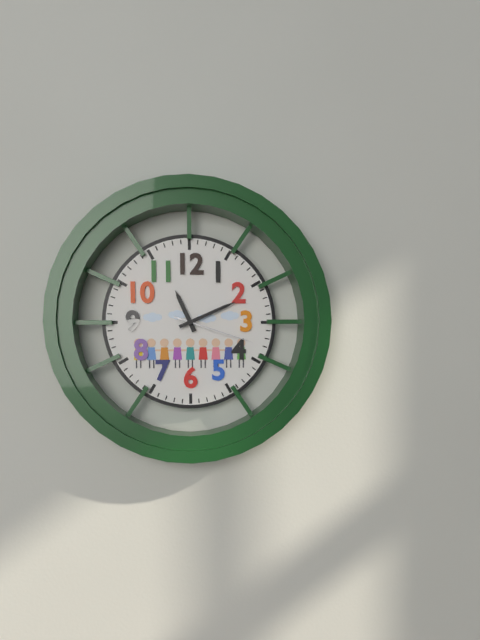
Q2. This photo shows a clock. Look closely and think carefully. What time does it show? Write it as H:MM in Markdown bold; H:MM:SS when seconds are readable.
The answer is **11:11:18**
